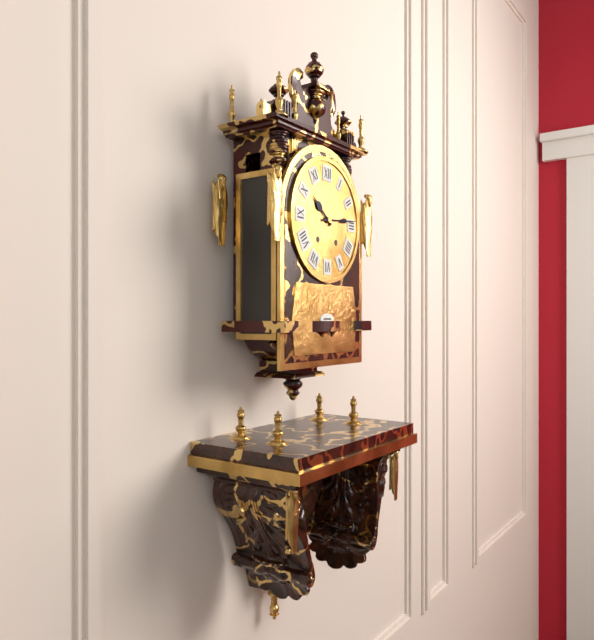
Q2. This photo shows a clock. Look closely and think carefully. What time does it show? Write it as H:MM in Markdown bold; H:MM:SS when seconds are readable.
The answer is **10:14**
